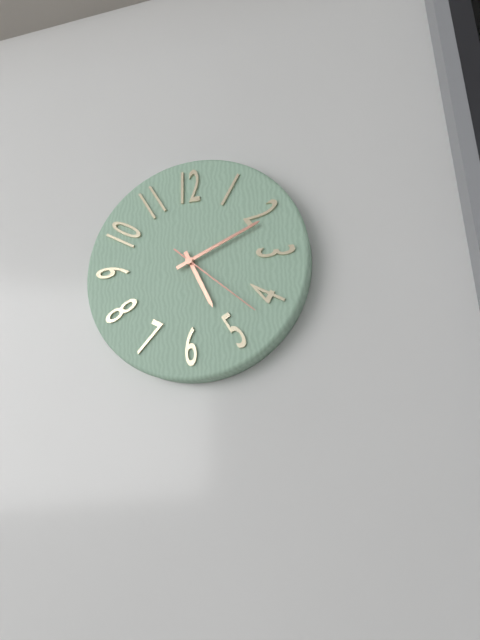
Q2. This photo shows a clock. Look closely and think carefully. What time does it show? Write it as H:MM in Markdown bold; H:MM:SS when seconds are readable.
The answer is **5:11:22**
